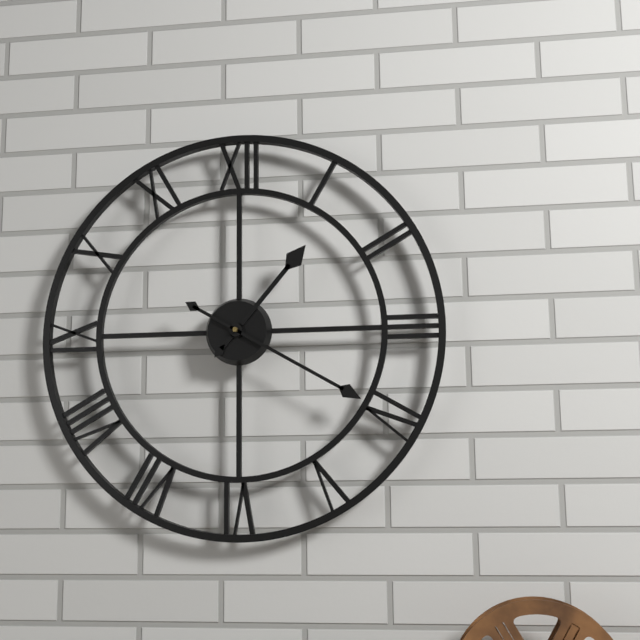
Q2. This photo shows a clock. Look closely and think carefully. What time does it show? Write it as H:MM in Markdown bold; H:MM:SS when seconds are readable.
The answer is **1:20**
